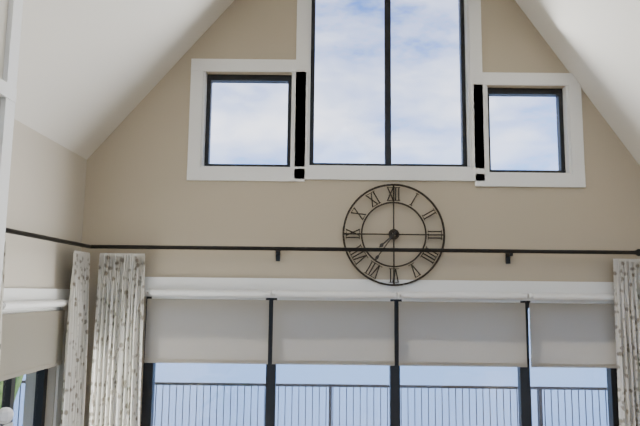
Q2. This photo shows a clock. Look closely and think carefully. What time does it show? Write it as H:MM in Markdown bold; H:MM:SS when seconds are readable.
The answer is **7:36**
